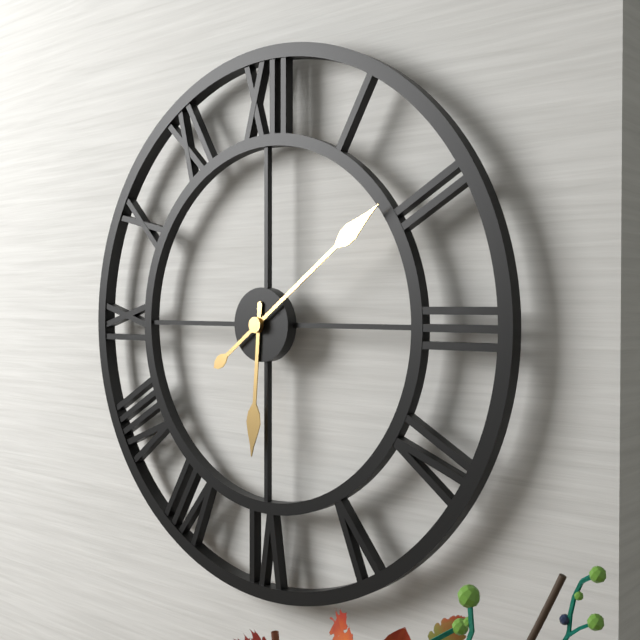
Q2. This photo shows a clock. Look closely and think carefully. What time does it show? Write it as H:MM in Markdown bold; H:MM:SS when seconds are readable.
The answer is **6:09**
